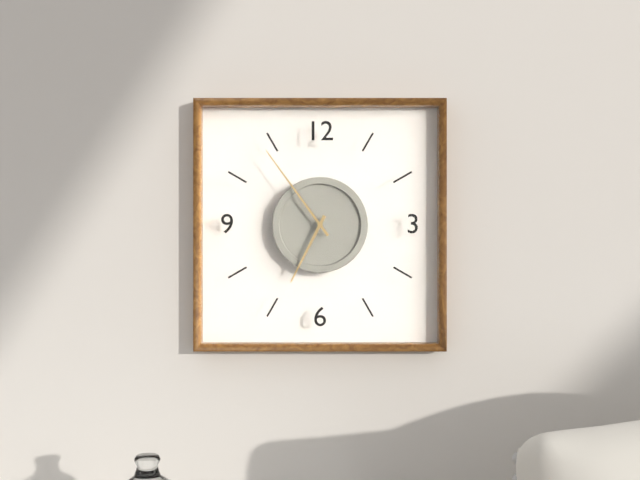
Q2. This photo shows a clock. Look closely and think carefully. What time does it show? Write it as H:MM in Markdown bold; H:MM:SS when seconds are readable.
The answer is **6:54**
